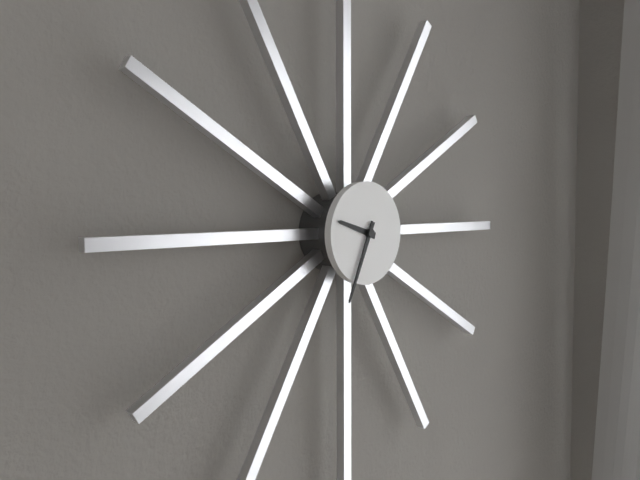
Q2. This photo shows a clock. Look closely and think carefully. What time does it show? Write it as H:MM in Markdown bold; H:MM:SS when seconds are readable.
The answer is **9:34**
